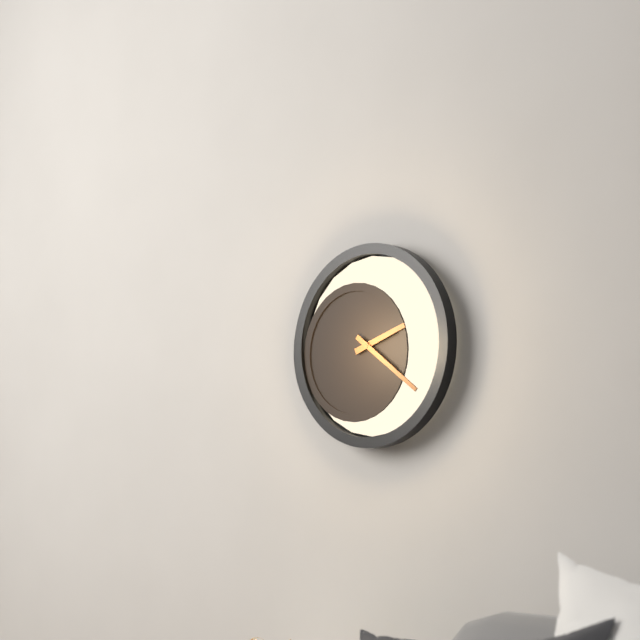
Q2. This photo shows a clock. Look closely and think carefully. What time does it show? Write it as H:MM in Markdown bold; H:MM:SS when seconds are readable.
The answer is **2:21**
